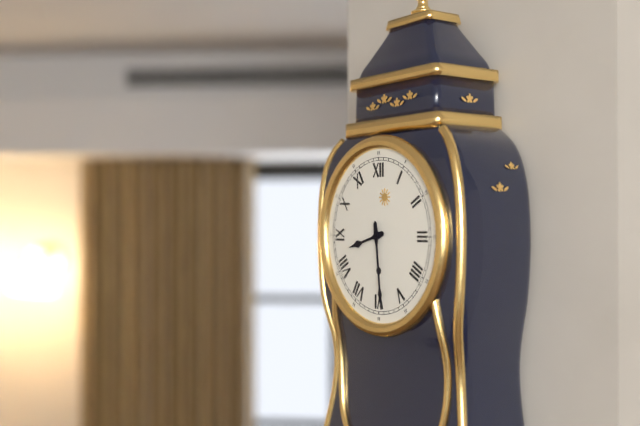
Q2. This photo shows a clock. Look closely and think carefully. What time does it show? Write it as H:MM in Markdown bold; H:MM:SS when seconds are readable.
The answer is **8:29**
